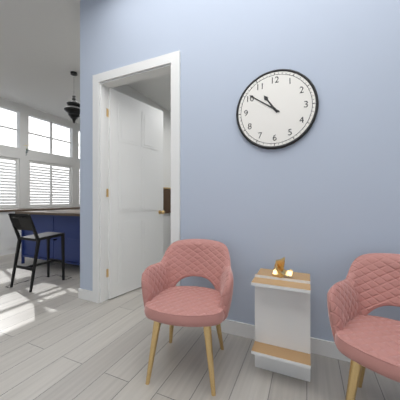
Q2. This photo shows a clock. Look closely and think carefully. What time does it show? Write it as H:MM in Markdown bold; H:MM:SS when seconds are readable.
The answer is **10:51**
